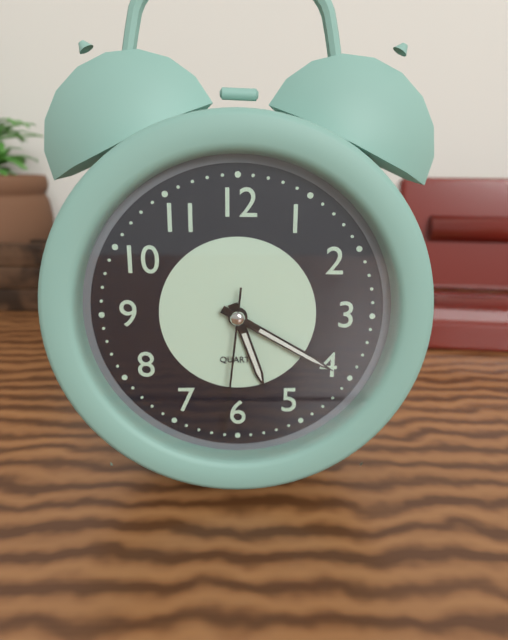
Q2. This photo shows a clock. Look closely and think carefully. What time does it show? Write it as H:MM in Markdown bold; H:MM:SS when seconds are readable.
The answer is **5:20:31**
